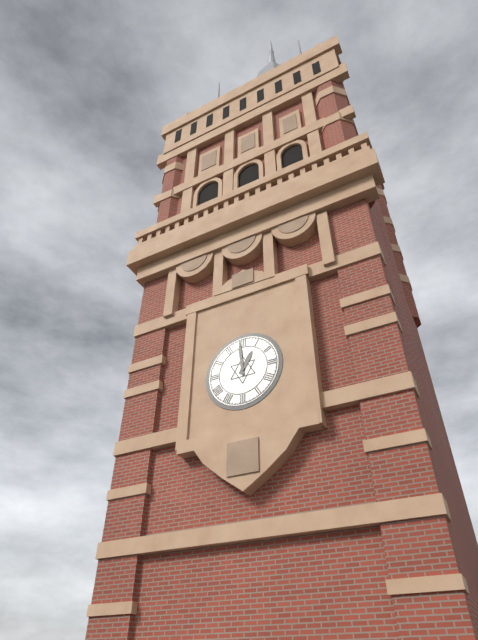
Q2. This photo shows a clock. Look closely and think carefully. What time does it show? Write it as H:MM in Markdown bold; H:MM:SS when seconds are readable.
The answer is **12:59**
